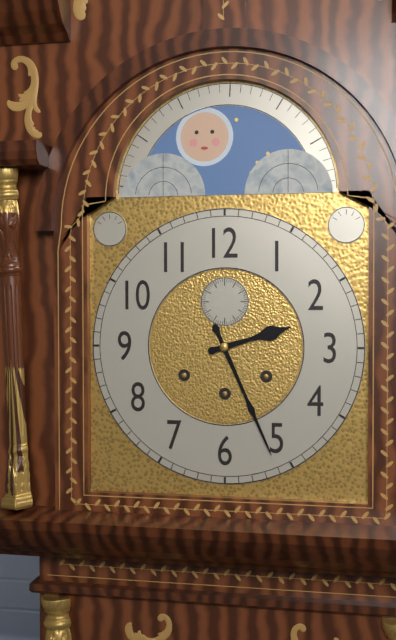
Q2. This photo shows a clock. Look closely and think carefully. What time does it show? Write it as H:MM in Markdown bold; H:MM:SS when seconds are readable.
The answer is **2:26**
